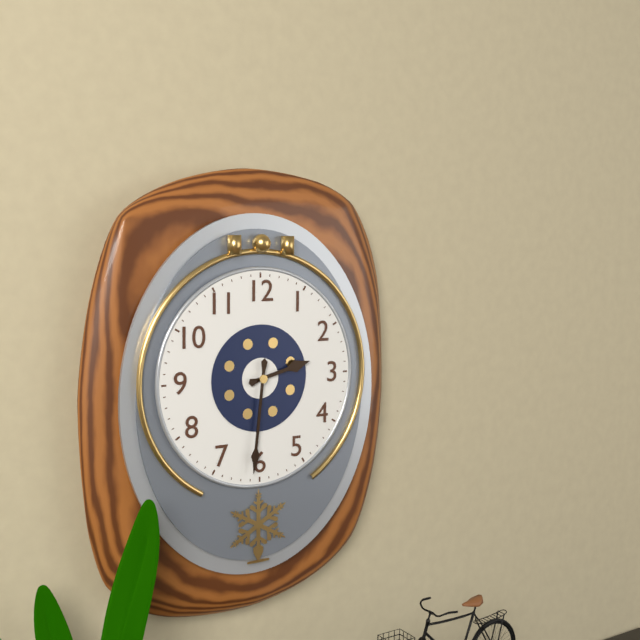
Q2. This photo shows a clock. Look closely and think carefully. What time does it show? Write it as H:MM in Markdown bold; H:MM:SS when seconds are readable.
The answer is **2:31**
